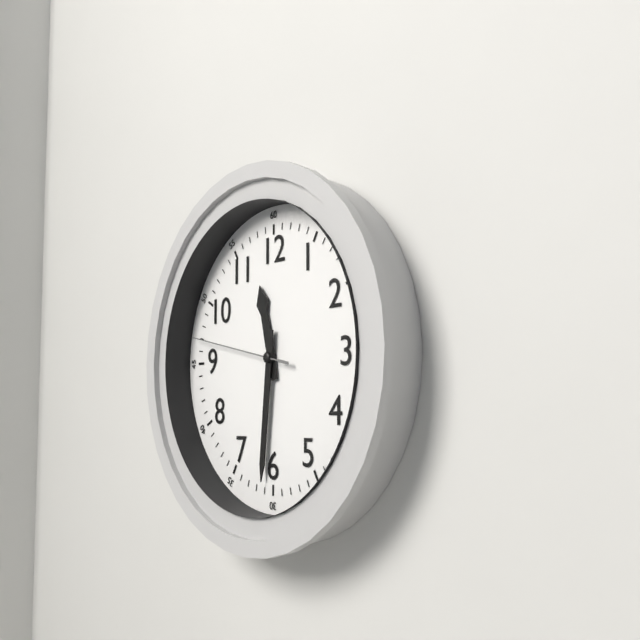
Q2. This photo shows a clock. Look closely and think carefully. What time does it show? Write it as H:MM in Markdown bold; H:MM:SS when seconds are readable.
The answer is **11:31:47**
